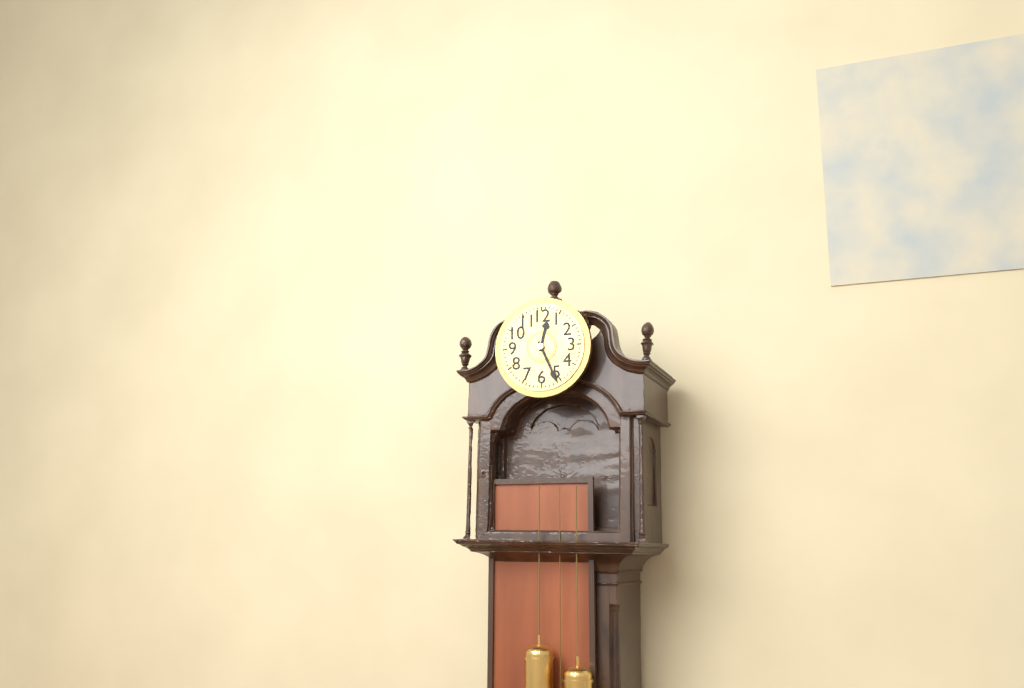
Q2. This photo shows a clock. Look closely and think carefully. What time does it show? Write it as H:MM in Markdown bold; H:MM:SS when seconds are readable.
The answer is **12:26**
